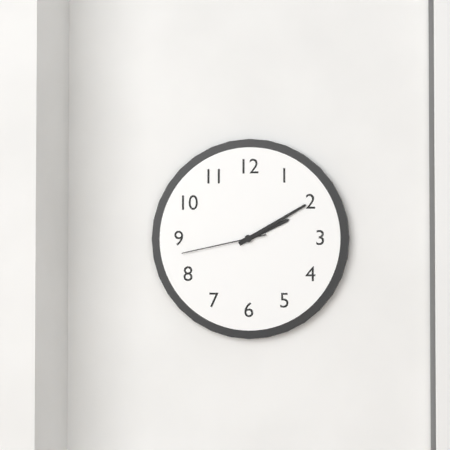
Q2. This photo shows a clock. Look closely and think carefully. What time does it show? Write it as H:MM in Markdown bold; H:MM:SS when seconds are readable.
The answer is **2:10:43**
